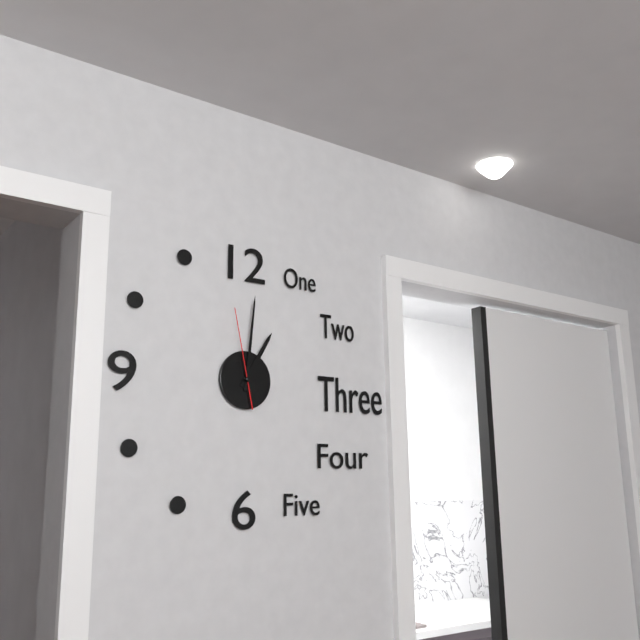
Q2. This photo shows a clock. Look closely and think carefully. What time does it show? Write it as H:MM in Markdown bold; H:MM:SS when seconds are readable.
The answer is **1:01:58**
